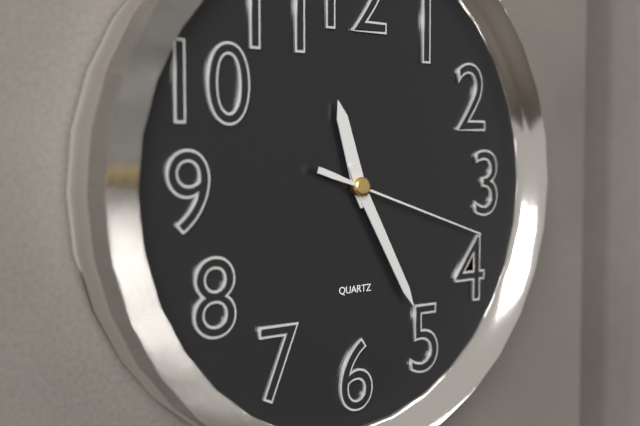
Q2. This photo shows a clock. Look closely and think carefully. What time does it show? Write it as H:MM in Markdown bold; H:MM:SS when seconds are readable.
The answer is **11:25:18**
